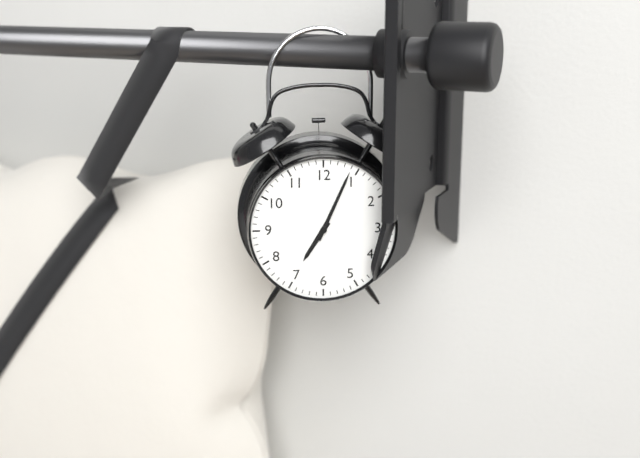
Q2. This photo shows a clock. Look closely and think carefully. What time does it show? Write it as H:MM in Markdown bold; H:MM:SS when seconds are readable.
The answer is **7:04**
